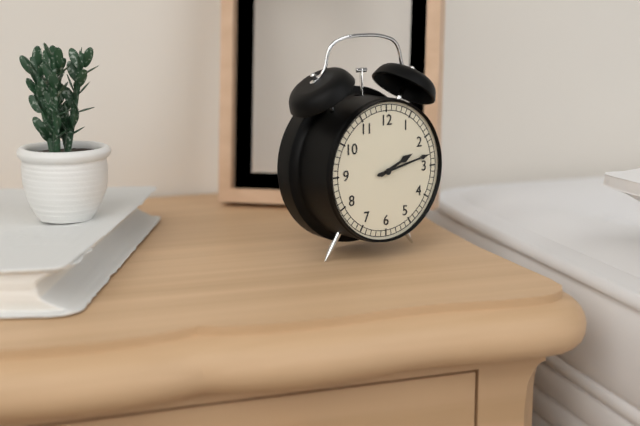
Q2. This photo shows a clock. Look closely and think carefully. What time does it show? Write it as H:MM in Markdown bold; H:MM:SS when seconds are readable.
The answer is **2:13**
